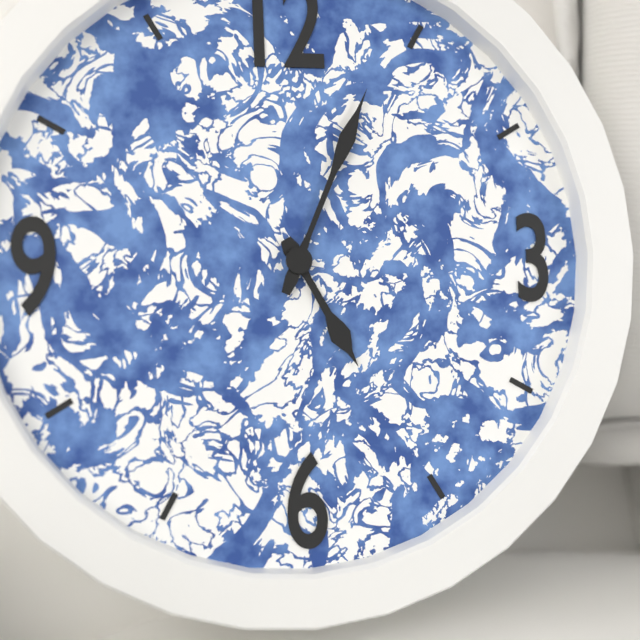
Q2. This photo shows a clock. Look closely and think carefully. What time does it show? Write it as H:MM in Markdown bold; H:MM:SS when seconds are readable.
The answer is **5:04**
